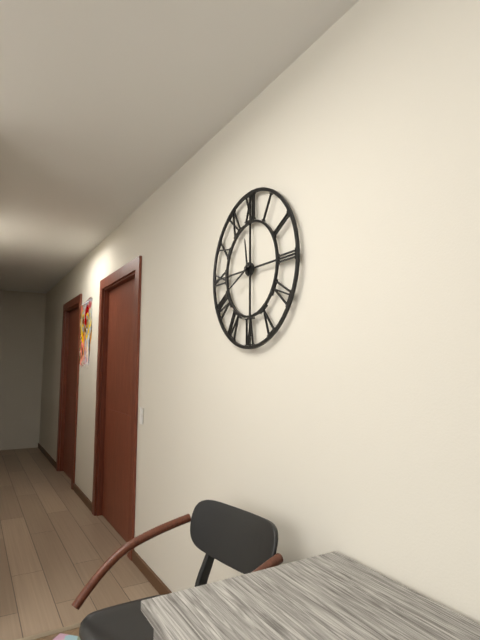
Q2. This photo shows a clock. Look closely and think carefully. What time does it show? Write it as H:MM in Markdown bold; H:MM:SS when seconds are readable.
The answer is **11:41**
